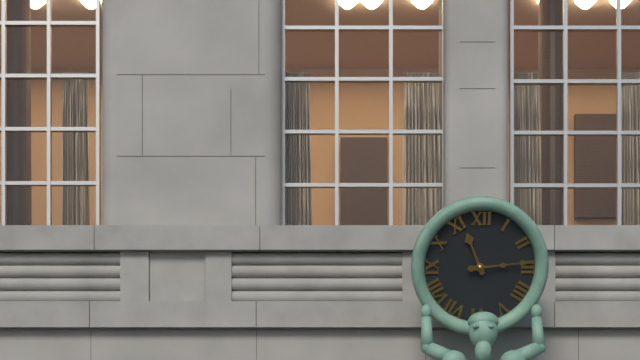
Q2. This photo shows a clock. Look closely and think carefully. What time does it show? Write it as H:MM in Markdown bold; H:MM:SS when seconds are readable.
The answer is **11:14**
